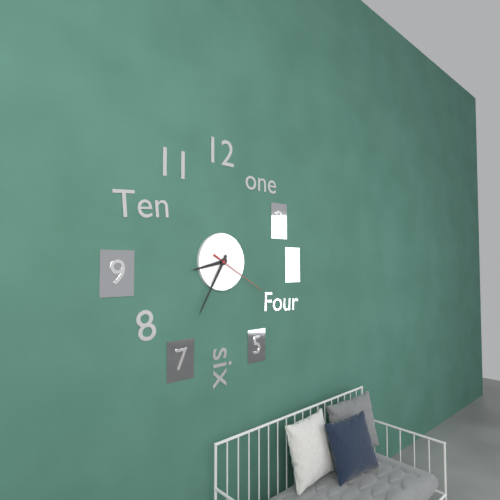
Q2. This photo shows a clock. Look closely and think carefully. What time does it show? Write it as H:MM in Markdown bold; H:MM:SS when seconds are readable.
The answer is **8:35:20**
